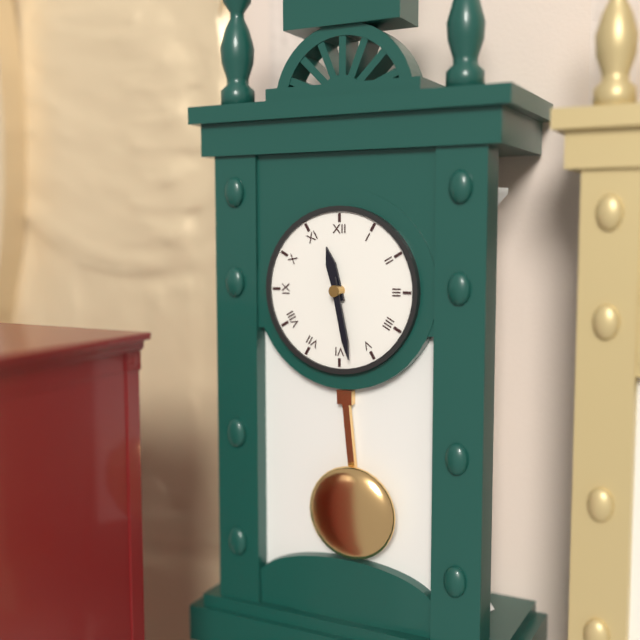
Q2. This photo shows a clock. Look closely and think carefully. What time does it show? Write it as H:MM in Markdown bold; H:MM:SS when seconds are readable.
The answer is **11:28**
